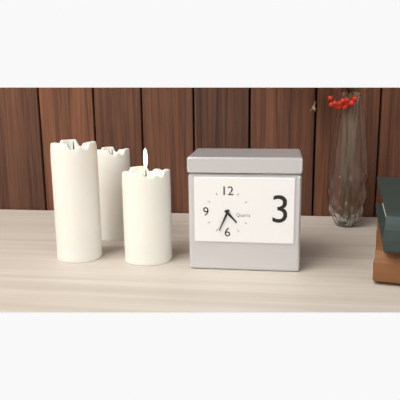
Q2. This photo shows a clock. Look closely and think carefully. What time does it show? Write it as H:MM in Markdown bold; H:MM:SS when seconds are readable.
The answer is **4:34**
